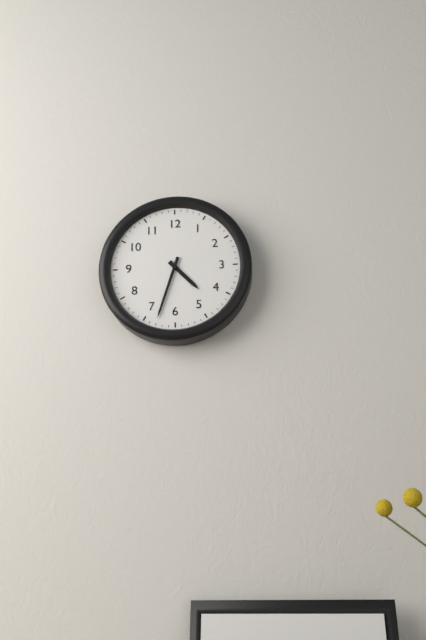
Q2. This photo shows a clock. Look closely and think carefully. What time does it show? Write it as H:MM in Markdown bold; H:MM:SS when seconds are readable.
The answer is **4:33**
